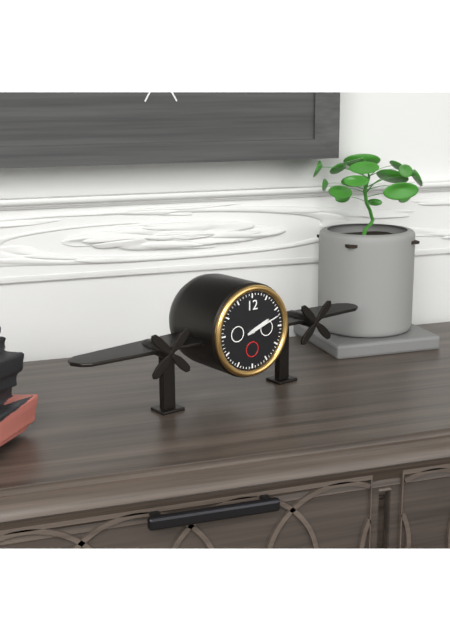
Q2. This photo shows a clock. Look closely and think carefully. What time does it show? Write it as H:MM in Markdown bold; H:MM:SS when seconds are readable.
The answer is **2:12**
